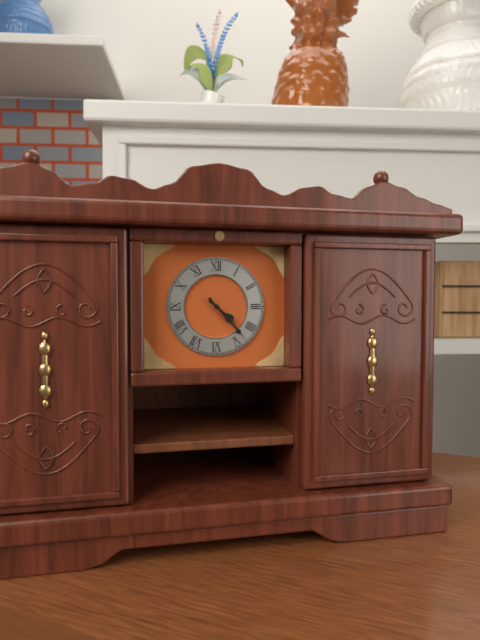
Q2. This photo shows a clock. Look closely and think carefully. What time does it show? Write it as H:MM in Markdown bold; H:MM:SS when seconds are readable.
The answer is **4:23**
